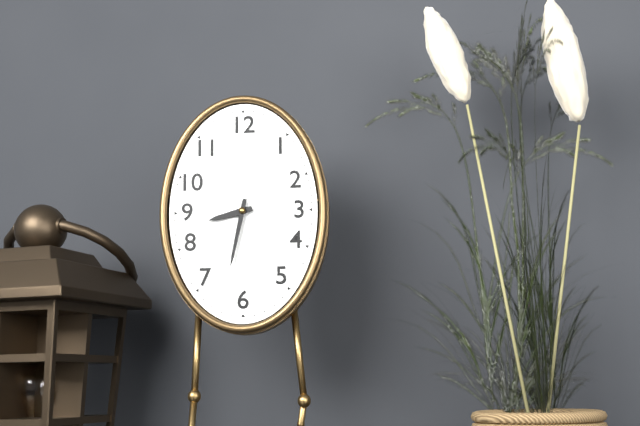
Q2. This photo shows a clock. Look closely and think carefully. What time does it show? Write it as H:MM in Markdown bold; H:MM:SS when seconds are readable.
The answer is **8:32**
